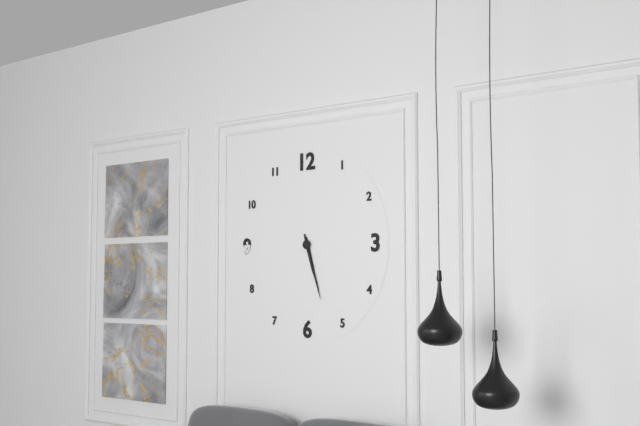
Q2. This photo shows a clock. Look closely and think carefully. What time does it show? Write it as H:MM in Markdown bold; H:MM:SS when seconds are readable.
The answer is **5:27**
